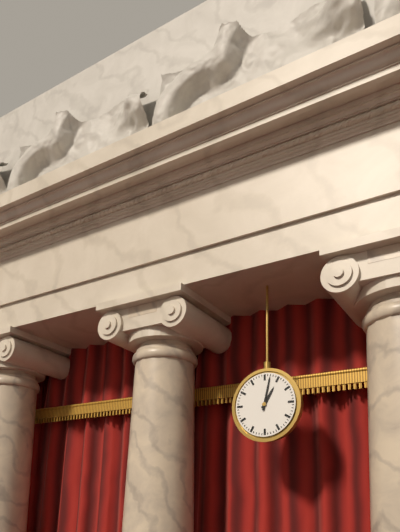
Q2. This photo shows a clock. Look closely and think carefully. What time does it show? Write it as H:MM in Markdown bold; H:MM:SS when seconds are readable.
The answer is **1:02**
